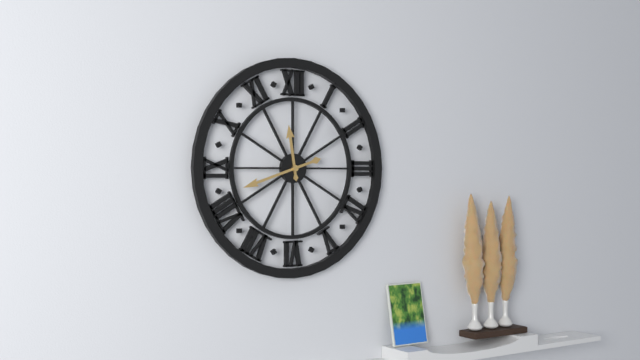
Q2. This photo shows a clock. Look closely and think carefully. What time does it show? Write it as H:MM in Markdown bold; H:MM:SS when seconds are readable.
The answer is **11:42**
